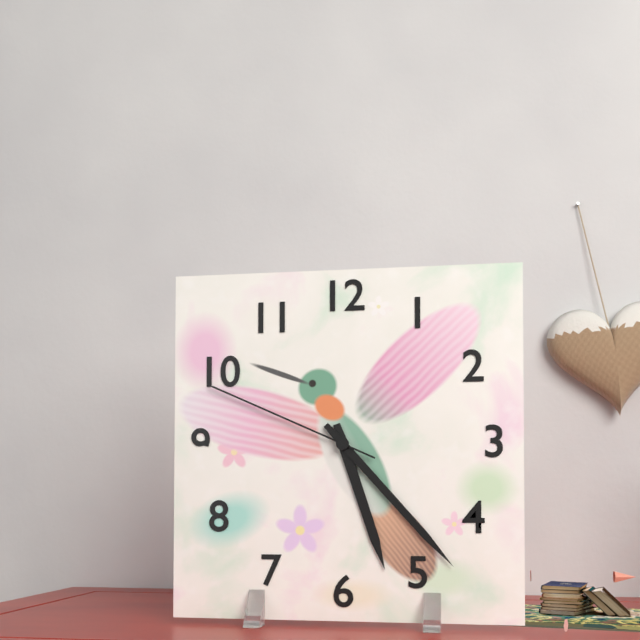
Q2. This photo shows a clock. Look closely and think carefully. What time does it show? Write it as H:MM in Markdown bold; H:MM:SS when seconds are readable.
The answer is **5:23:49**
